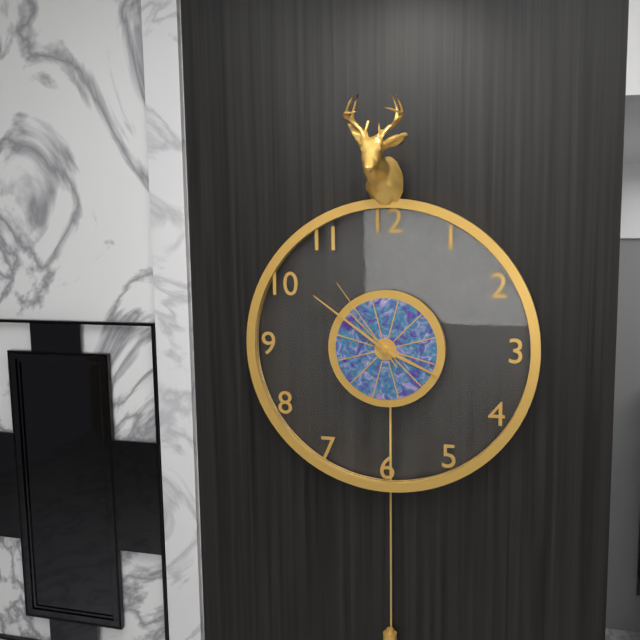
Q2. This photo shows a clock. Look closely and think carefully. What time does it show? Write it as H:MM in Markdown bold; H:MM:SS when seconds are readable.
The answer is **3:51:54**
